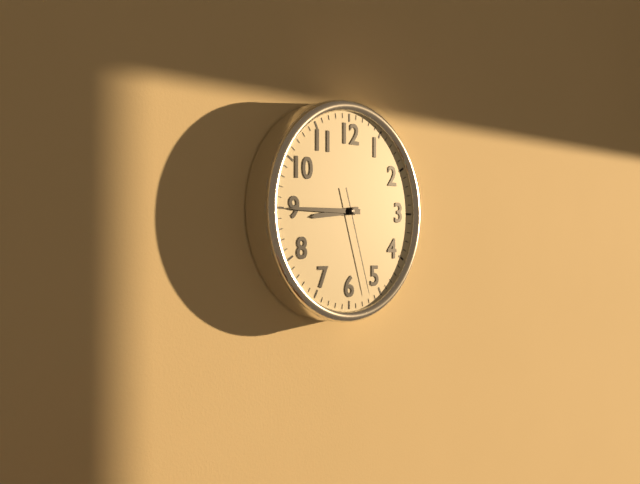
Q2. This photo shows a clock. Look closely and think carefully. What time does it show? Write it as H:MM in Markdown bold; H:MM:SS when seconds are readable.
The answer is **8:45:27**
